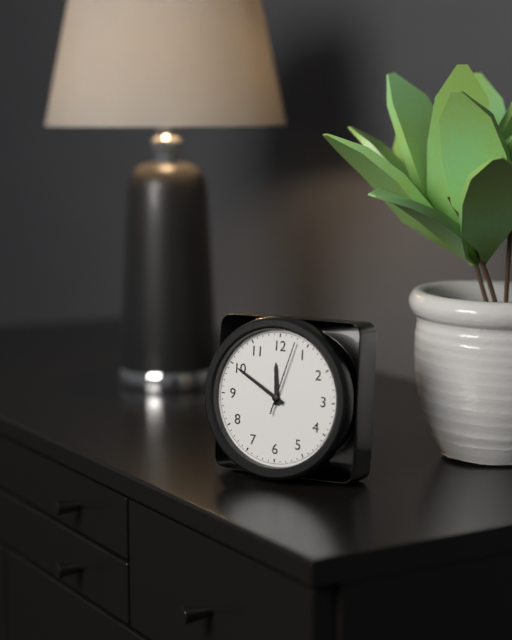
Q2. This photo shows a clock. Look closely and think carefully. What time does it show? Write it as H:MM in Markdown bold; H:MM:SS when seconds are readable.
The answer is **11:50:03**
